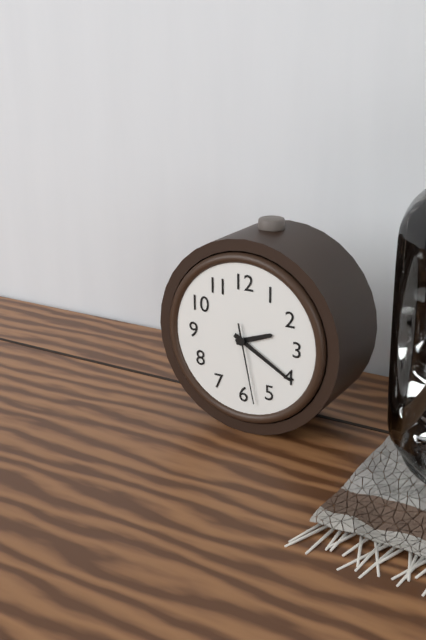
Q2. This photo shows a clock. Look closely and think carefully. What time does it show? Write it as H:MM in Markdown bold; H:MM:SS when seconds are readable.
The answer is **2:20:28**
